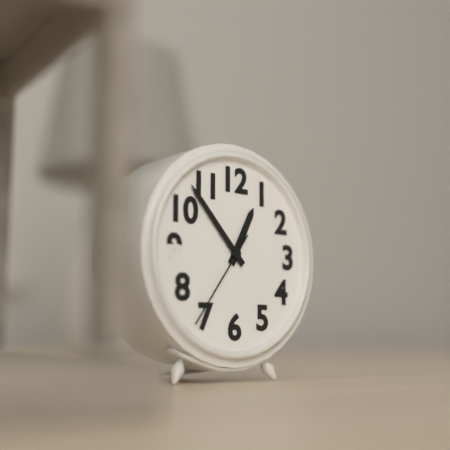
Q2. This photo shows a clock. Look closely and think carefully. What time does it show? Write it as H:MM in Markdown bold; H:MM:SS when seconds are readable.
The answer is **12:53:36**
